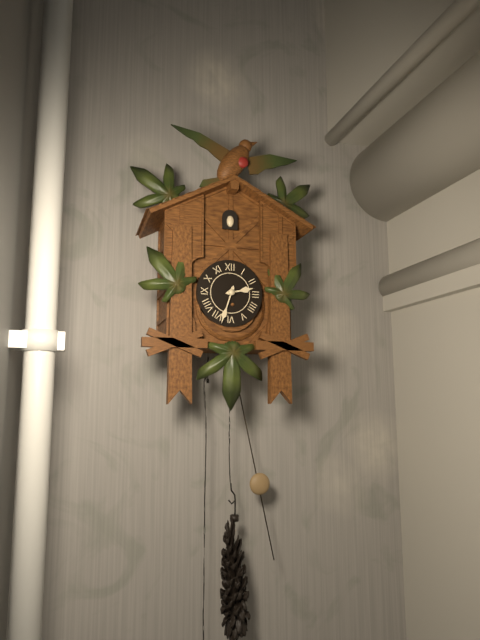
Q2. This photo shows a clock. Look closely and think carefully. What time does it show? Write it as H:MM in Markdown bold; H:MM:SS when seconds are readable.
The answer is **2:33**
